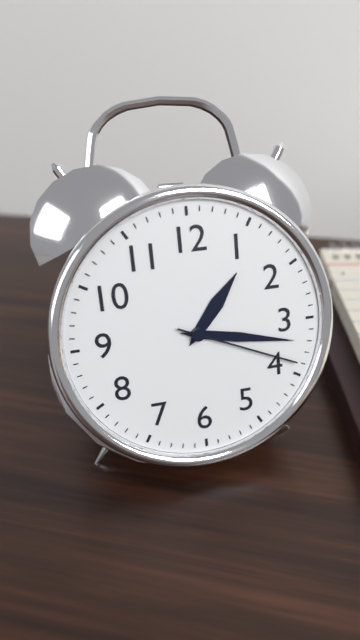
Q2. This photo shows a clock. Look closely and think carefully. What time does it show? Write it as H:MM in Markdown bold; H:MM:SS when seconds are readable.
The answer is **1:17:19**
